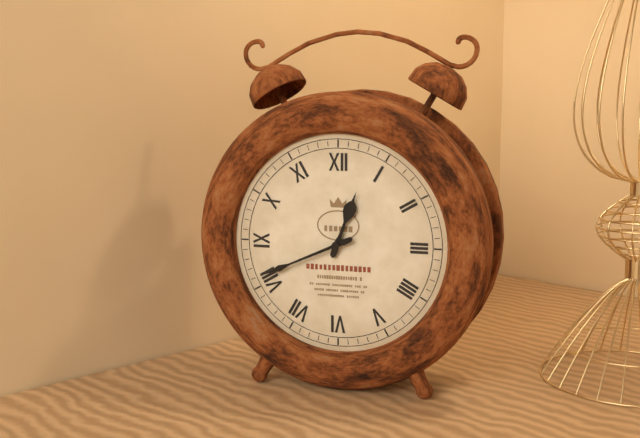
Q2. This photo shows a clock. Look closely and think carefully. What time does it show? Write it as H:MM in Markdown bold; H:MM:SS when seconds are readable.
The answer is **12:41**
